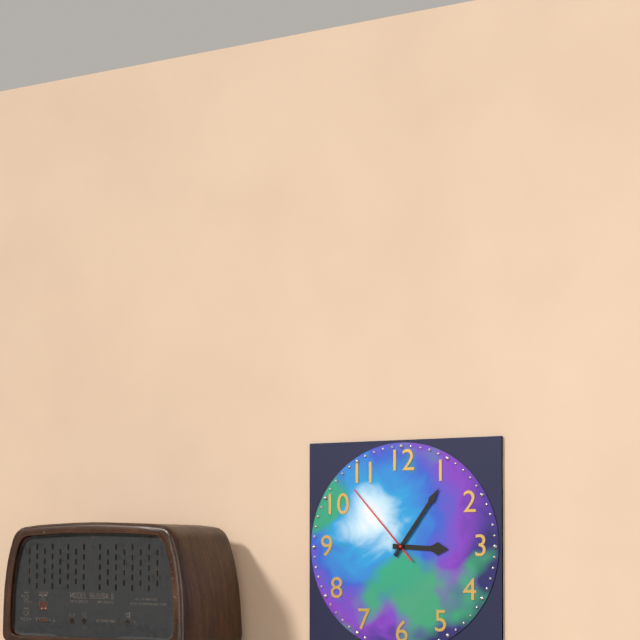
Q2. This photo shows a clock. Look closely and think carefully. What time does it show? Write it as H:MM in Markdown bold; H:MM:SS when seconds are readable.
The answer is **3:06:53**
